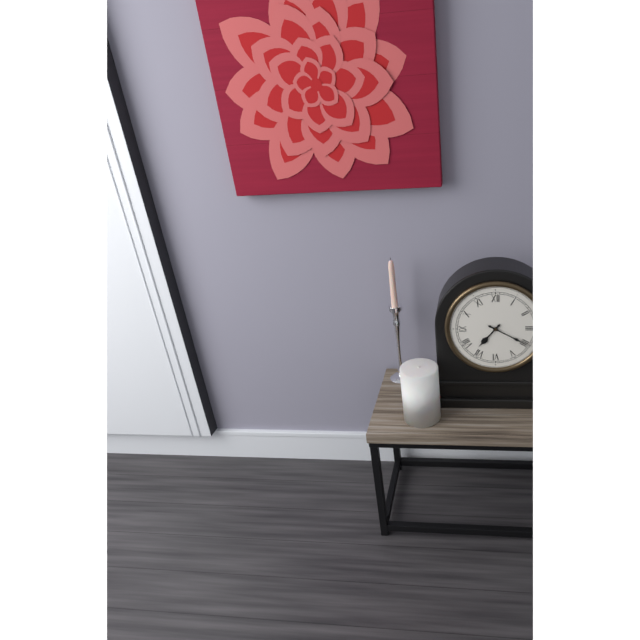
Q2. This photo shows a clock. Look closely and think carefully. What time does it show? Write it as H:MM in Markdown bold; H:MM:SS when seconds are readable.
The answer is **7:20**
